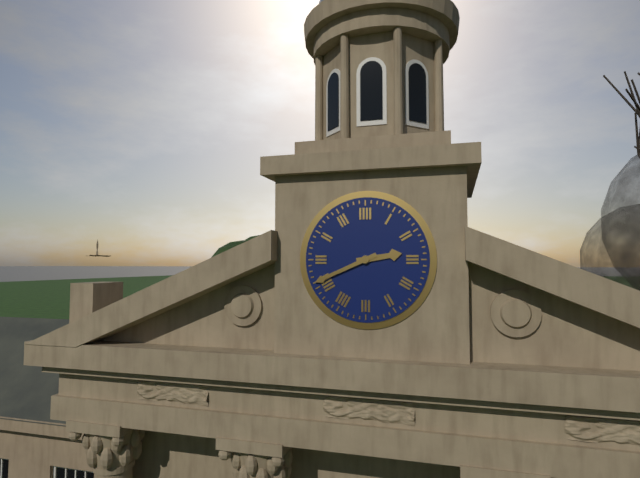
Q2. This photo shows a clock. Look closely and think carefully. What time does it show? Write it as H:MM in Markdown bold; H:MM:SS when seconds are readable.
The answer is **2:41**
